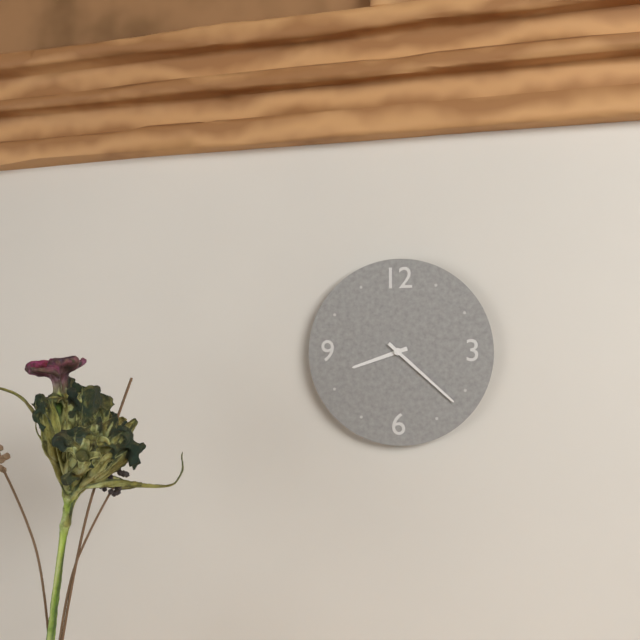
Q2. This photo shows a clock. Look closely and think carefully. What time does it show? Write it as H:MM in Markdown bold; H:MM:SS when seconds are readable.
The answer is **8:22**
